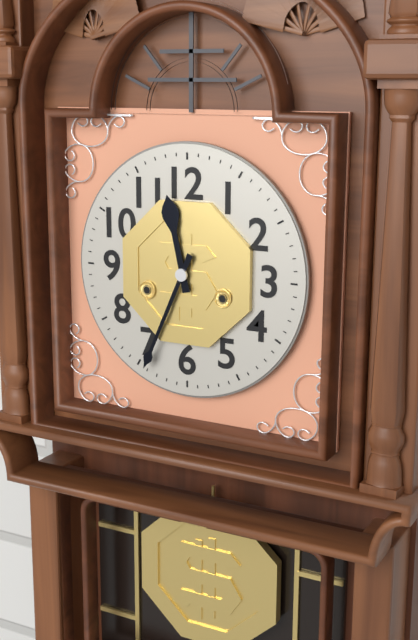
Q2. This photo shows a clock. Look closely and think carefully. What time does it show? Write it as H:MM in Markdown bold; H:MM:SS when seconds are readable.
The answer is **11:34**
